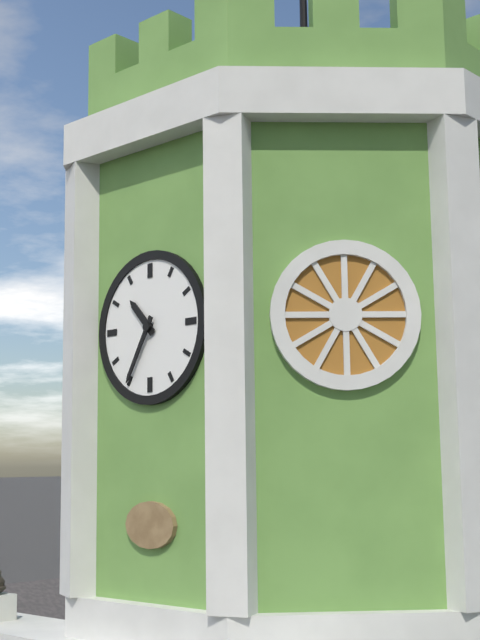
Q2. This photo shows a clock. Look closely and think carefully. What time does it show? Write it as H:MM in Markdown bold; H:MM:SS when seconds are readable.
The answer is **10:35**
